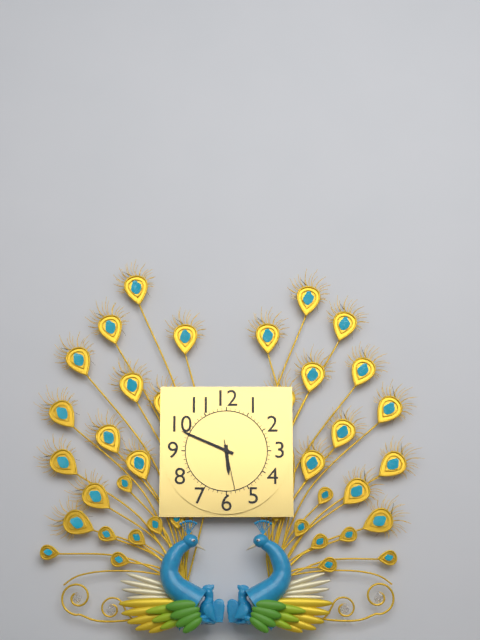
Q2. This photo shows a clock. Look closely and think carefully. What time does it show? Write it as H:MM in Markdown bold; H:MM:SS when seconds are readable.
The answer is **5:49:28**
